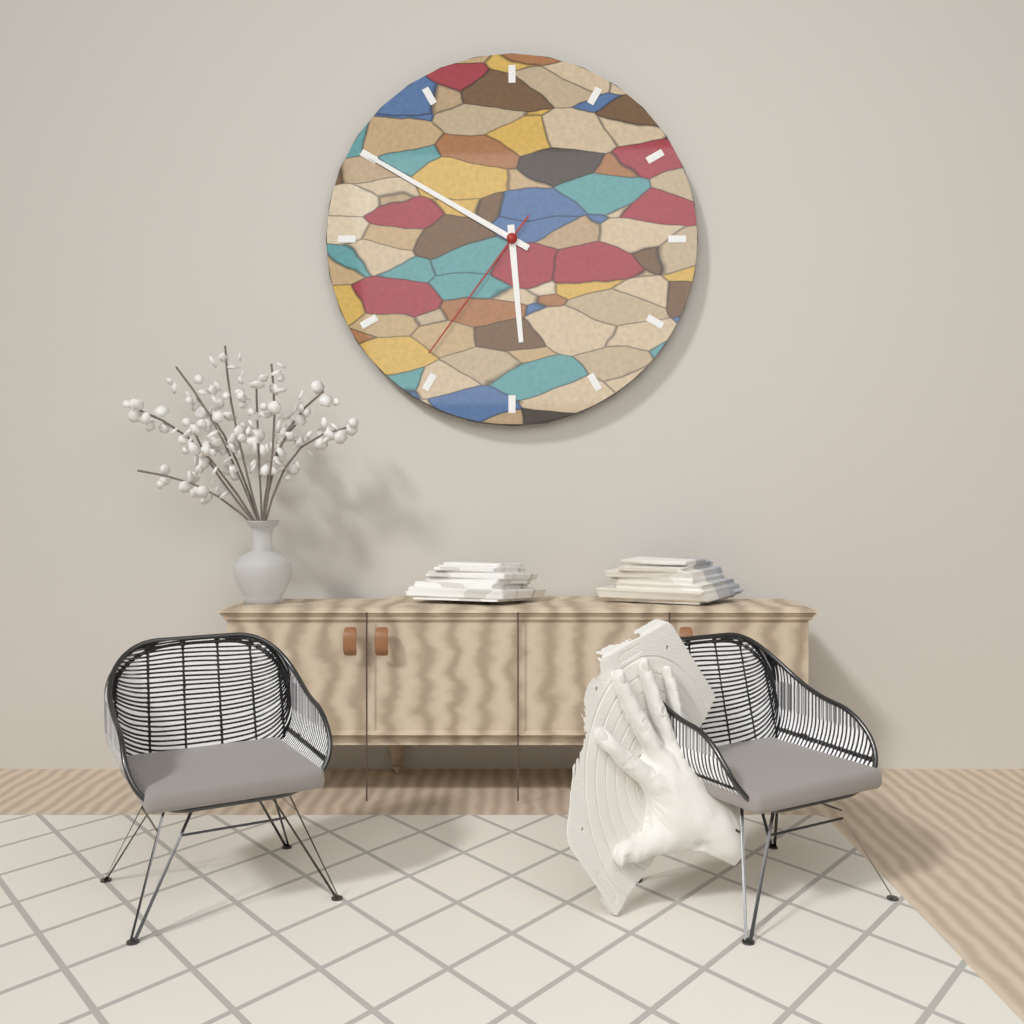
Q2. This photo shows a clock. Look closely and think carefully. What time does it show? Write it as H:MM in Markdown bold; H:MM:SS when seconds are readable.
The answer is **5:50:36**
